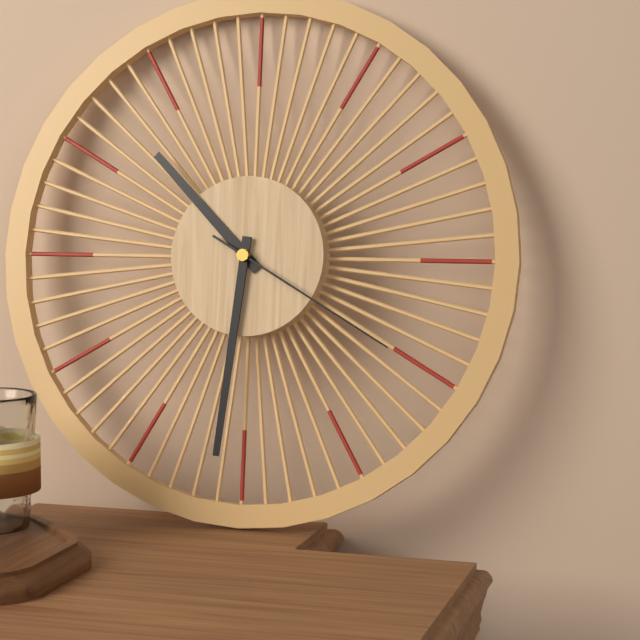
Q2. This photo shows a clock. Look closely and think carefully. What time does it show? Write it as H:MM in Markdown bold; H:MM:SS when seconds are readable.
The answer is **10:31:20**
